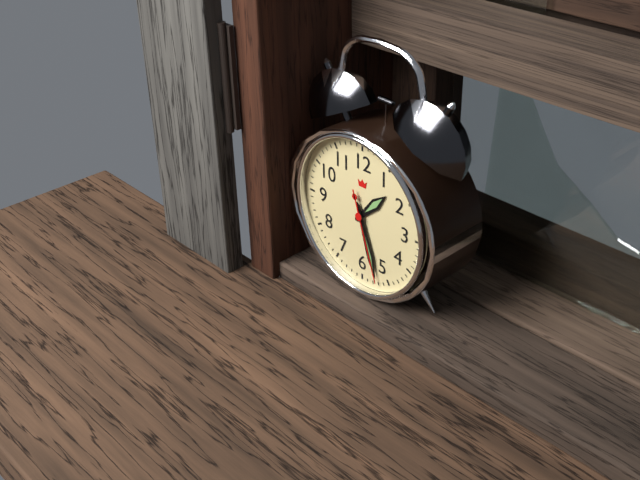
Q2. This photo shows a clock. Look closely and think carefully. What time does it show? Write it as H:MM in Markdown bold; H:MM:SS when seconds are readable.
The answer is **1:27:27**
